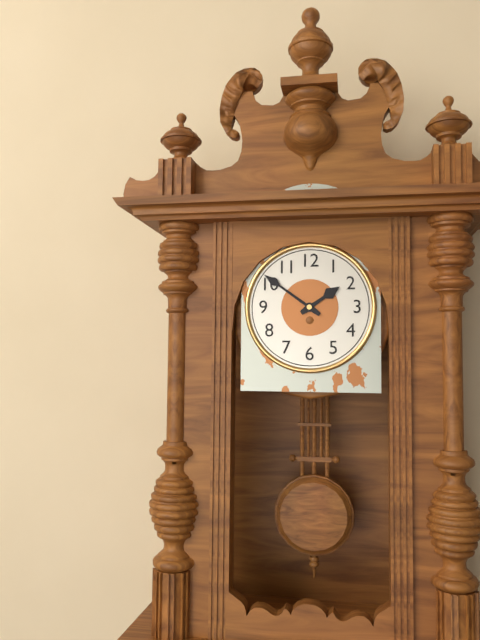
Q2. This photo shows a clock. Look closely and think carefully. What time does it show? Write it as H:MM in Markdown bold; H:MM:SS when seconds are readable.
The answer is **1:51**
